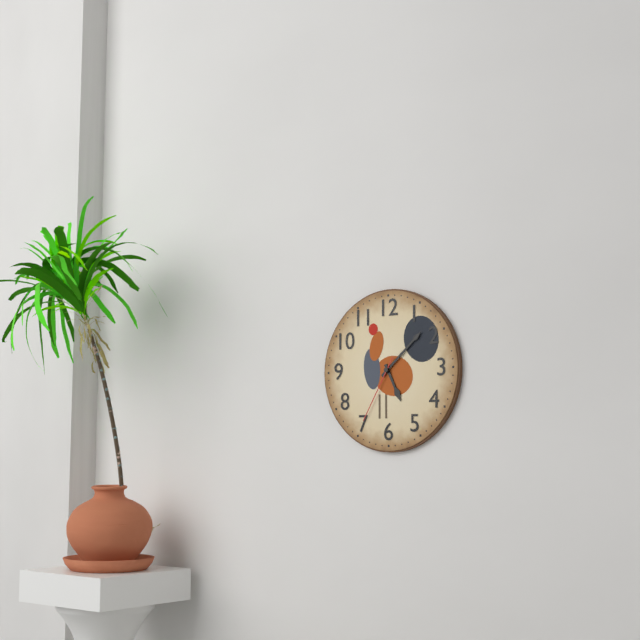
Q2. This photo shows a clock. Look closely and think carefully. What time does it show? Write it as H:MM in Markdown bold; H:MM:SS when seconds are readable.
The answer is **5:08:35**
